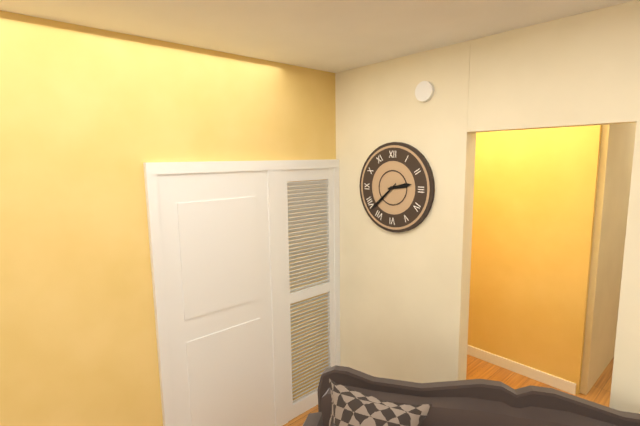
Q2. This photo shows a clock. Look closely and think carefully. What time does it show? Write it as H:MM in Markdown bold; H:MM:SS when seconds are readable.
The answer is **2:38**
